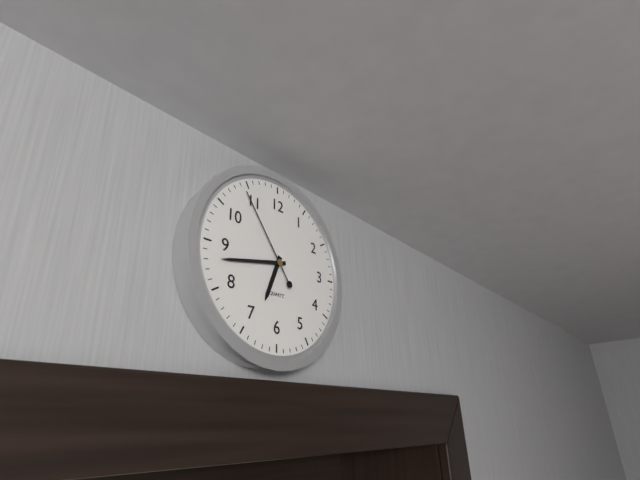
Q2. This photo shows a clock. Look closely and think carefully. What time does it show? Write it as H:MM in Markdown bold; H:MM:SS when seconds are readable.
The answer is **6:43:54**
